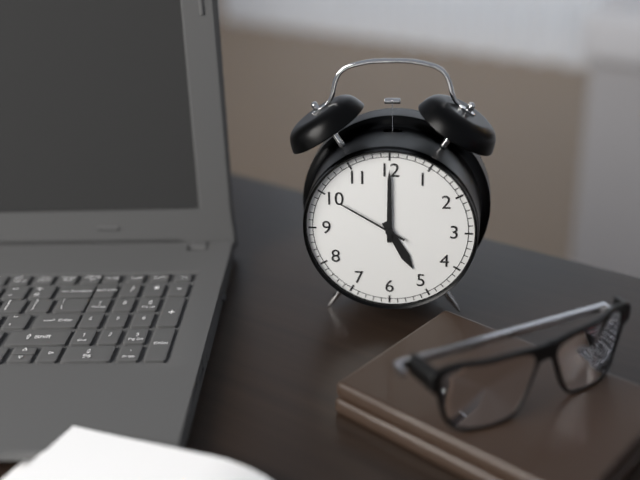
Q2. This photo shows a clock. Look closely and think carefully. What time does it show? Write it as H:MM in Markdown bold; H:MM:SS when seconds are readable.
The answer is **5:00:50**
